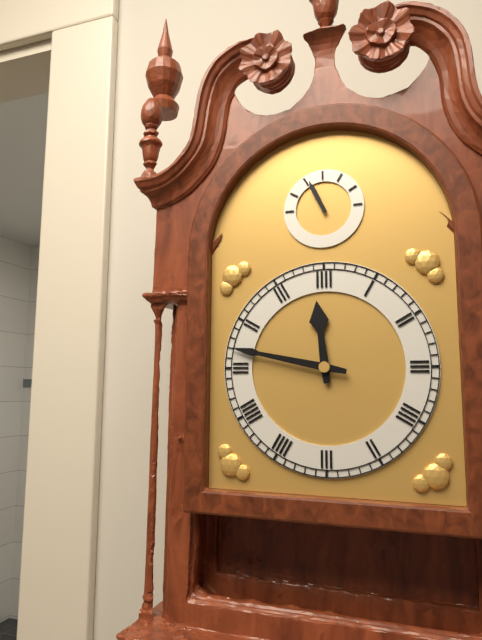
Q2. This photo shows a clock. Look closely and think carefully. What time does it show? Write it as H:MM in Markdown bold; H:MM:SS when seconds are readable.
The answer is **11:47**
